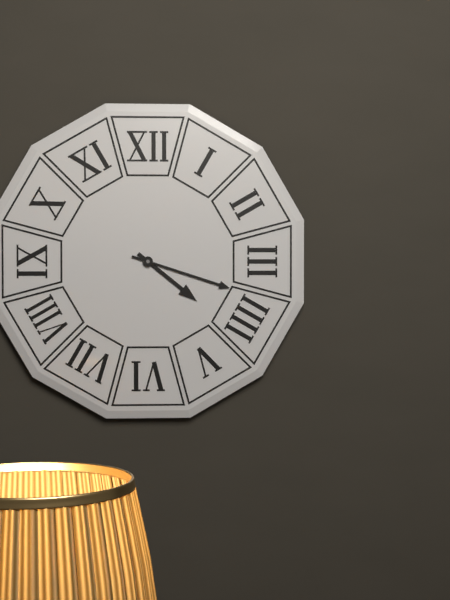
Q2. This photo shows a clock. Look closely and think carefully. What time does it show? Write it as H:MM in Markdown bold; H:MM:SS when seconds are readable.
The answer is **4:18**
